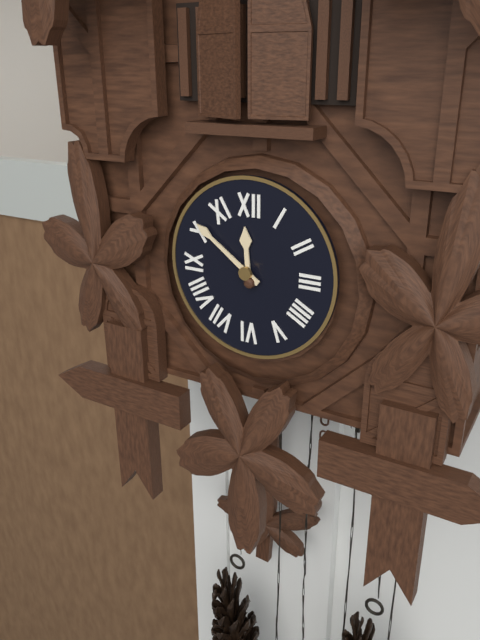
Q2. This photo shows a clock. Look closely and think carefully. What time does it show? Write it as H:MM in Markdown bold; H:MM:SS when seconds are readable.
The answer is **11:51**
